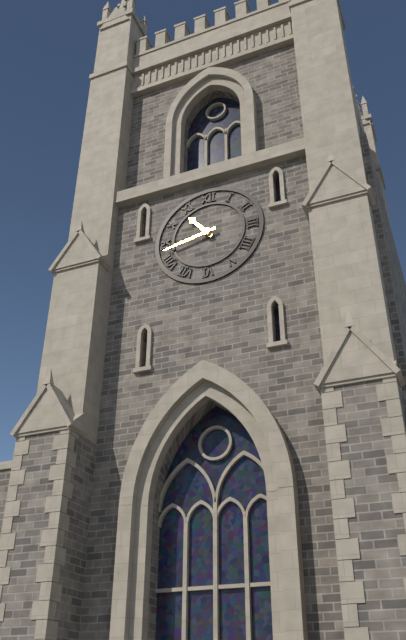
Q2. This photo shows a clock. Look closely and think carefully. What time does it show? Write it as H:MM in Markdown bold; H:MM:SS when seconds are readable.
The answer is **10:43**
